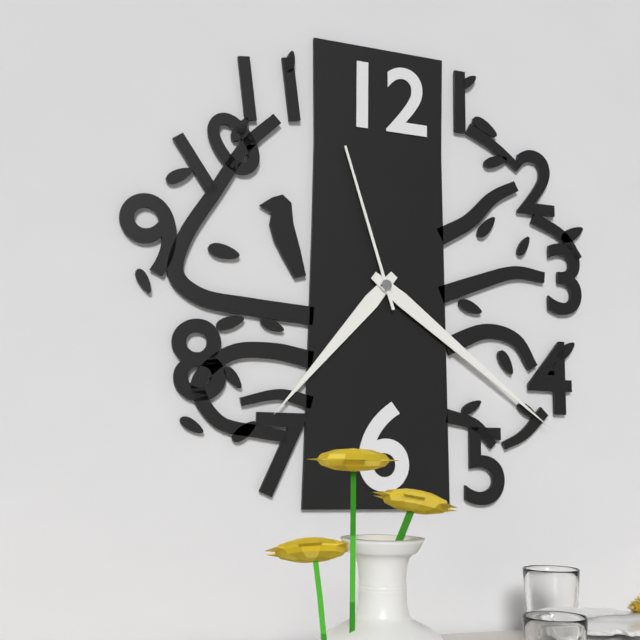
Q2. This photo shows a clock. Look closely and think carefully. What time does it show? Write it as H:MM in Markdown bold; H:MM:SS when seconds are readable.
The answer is **7:21:57**
